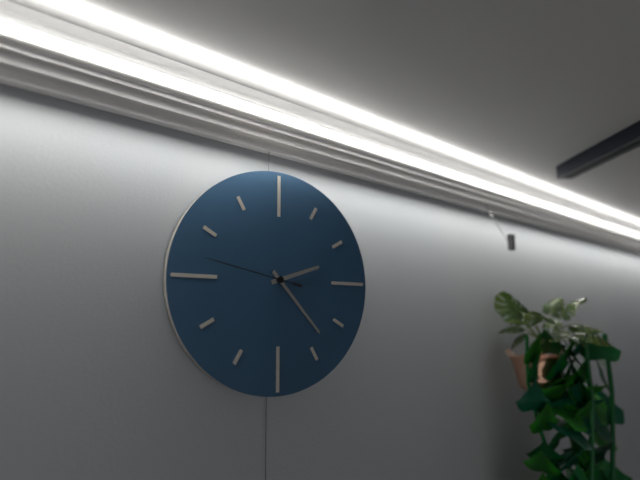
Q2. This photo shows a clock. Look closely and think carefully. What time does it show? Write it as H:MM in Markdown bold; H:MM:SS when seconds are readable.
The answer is **2:23:47**
